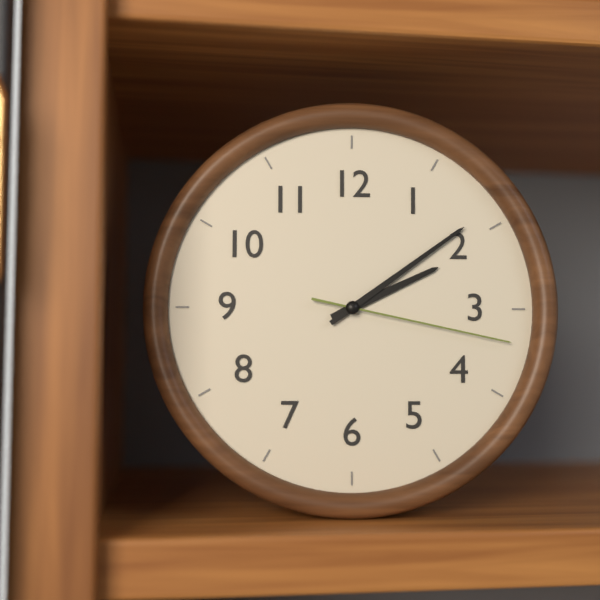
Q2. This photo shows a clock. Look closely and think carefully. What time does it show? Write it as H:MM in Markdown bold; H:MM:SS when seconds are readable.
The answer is **2:09:17**
